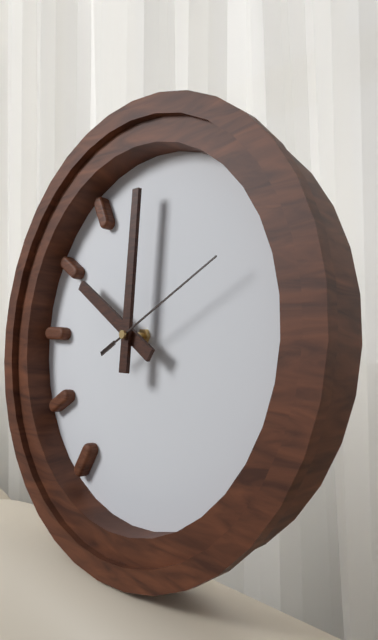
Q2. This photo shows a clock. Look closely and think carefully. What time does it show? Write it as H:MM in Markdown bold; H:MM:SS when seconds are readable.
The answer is **10:00:10**
